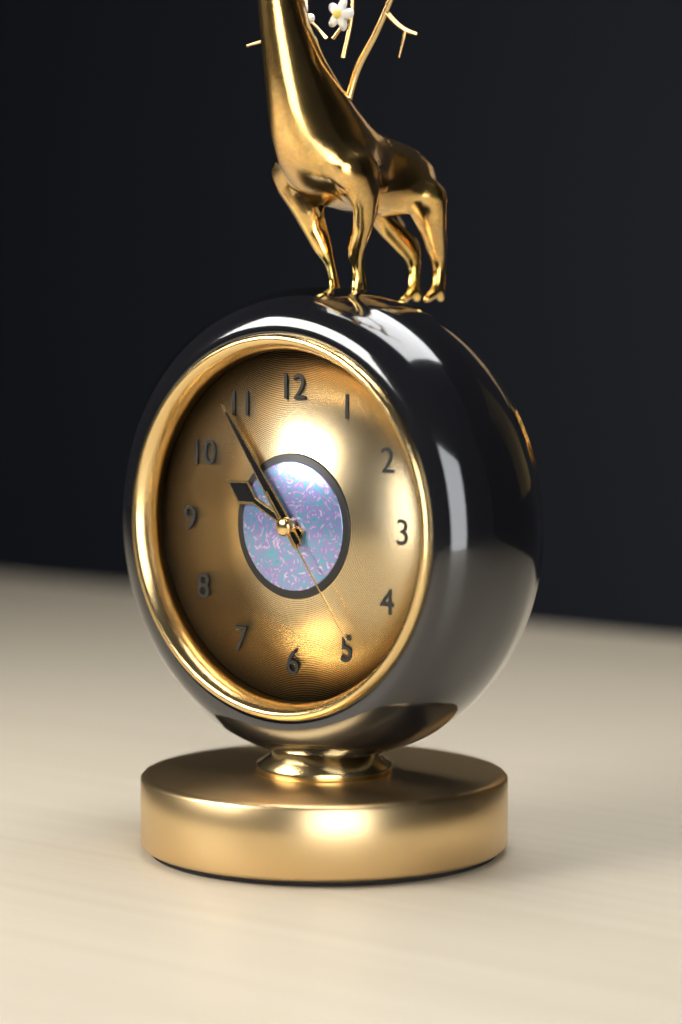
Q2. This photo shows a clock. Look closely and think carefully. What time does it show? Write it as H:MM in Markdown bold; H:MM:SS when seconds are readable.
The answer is **9:54:24**
